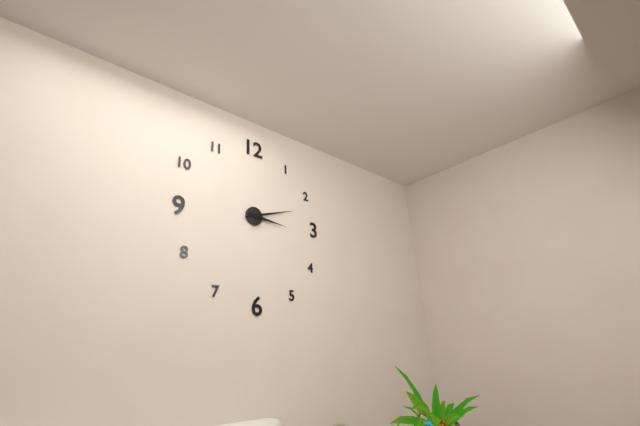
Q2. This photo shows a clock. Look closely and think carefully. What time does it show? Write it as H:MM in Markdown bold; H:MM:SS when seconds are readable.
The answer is **3:12**
